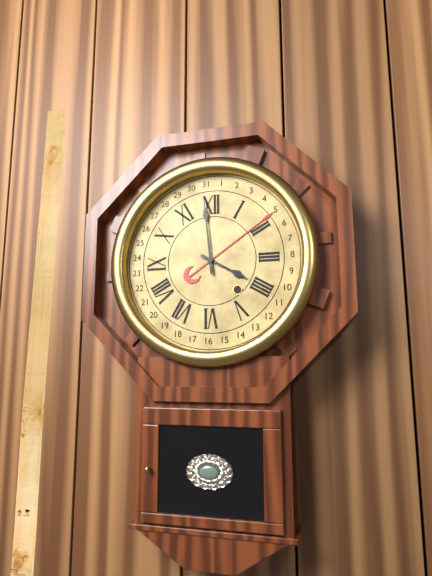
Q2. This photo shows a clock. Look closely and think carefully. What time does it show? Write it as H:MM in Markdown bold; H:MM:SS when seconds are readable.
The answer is **3:59**
